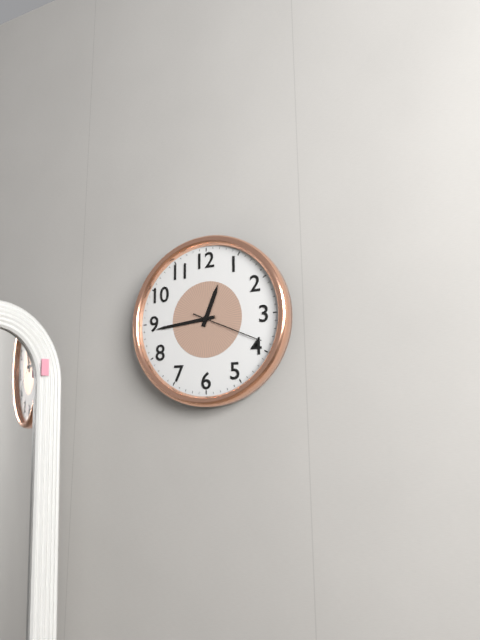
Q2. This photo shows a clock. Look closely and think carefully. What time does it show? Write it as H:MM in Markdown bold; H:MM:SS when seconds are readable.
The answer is **12:44:19**
